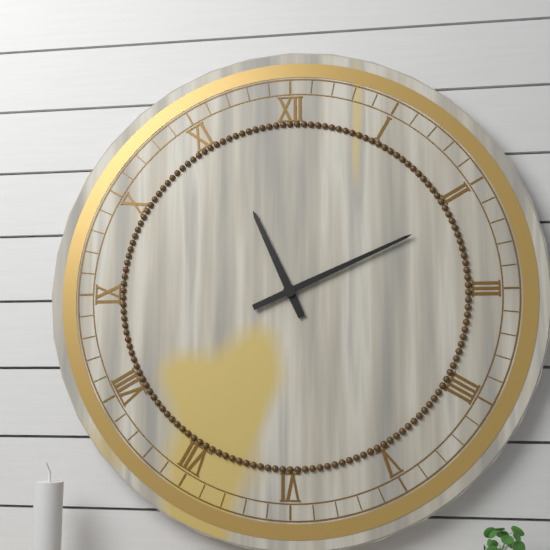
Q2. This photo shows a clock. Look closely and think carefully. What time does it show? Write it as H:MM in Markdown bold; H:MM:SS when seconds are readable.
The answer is **11:11**
